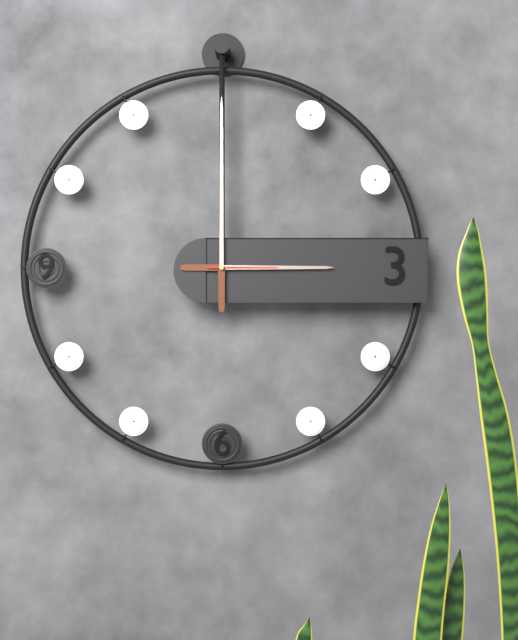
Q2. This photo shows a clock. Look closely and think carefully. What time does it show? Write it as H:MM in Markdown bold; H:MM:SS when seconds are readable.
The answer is **3:00:15**
